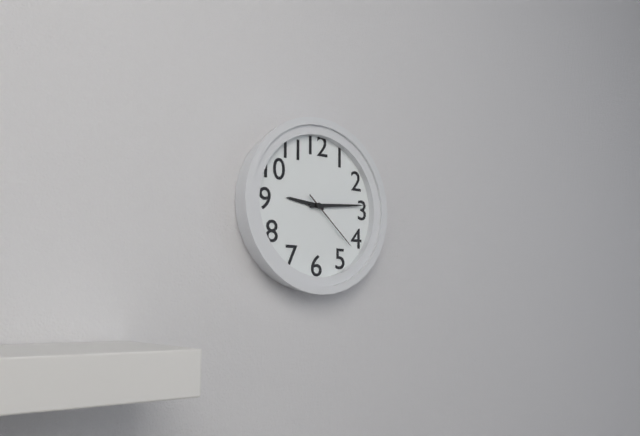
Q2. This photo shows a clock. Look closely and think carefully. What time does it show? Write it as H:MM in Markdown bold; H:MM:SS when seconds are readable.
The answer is **9:14:22**
